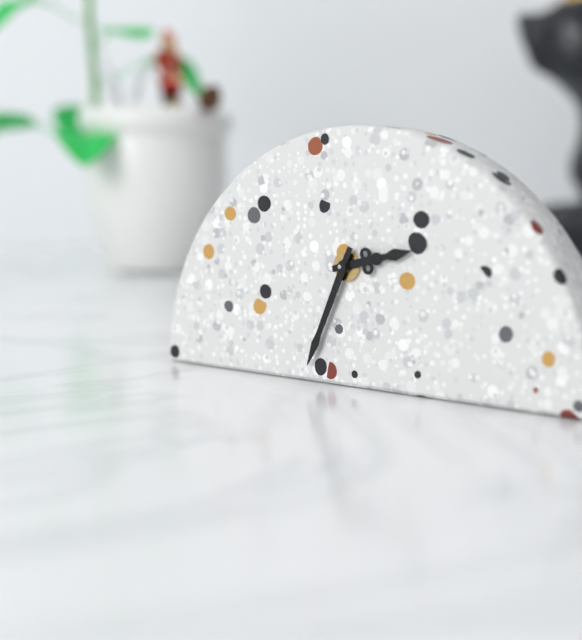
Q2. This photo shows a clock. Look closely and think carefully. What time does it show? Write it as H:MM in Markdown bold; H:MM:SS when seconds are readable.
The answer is **2:34**
